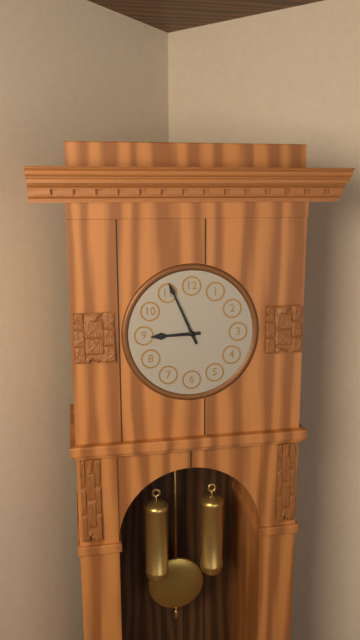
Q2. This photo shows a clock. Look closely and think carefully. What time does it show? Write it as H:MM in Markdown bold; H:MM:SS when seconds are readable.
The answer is **8:56**
